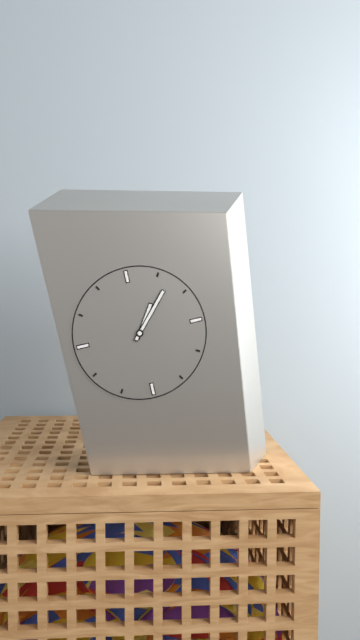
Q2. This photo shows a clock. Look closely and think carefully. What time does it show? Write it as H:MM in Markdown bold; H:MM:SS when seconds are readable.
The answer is **1:07**
